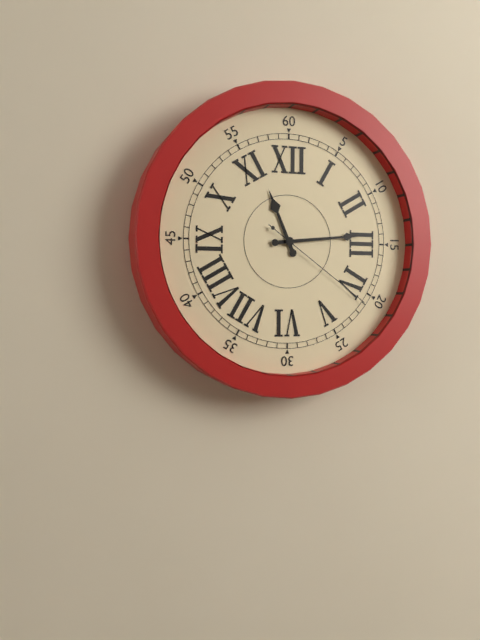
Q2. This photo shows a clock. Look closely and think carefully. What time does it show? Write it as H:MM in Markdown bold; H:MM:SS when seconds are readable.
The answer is **11:14:21**
